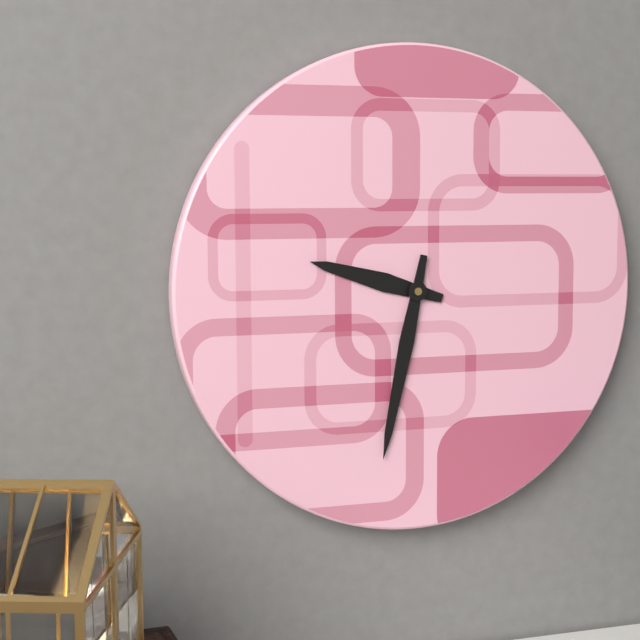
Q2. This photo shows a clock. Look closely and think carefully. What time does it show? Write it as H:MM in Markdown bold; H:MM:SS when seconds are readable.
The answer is **9:32**
